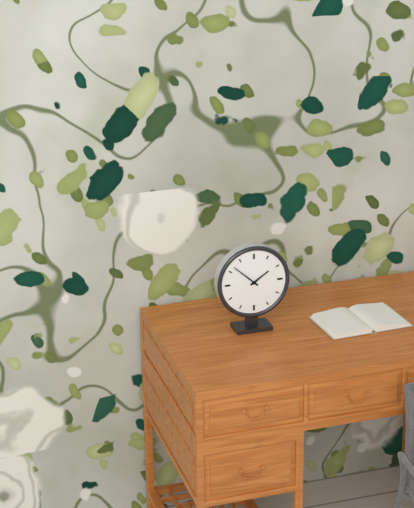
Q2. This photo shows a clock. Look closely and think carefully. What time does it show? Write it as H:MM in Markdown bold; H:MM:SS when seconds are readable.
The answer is **1:52**
